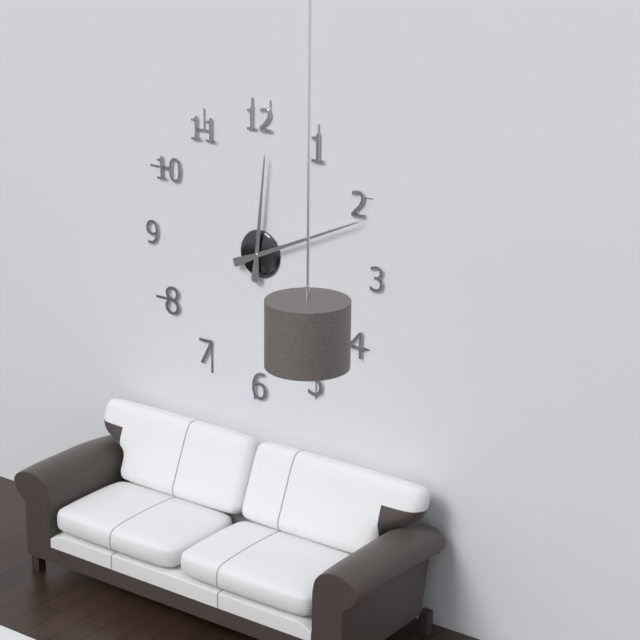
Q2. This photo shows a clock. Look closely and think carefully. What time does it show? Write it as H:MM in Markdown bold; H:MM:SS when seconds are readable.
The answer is **12:11**
